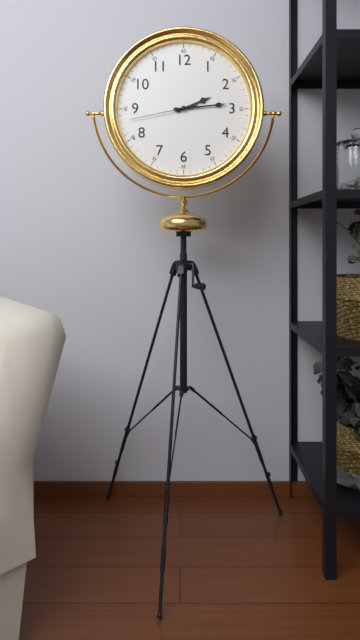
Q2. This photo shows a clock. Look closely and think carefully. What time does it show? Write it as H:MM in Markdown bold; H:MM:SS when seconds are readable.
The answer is **2:14:43**
